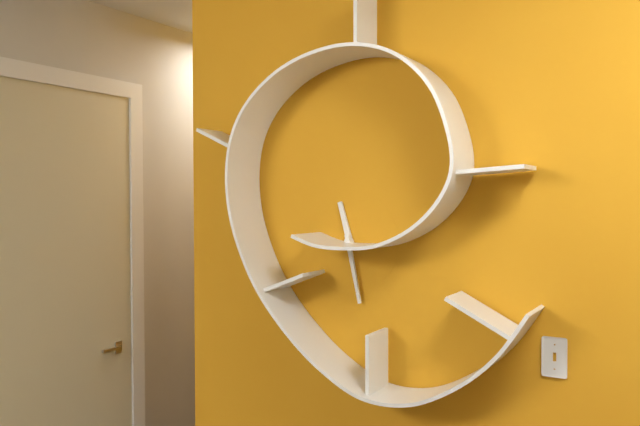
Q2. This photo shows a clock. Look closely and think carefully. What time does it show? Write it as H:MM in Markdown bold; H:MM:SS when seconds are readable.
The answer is **11:28**
